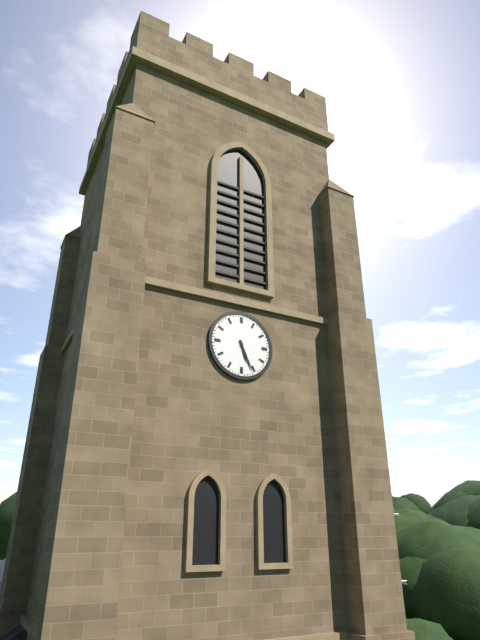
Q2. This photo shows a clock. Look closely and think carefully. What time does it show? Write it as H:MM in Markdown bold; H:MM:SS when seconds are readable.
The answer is **5:26**
